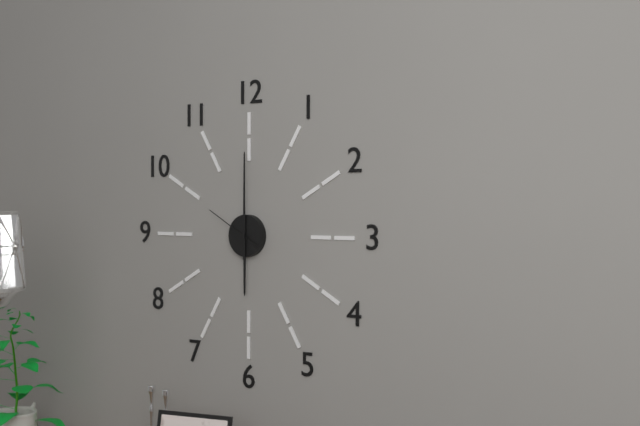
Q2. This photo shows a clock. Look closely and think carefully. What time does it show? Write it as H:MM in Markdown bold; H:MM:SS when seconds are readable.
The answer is **6:00:50**
